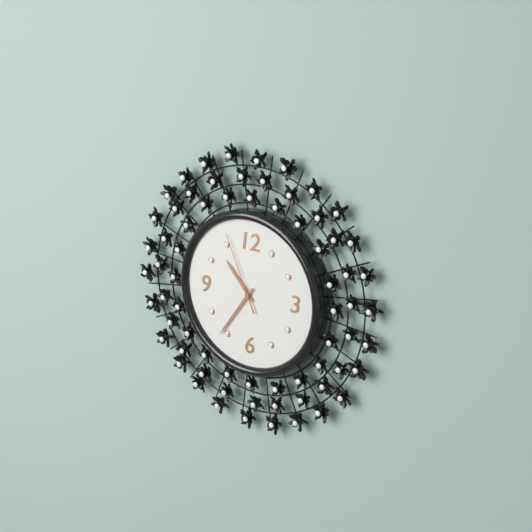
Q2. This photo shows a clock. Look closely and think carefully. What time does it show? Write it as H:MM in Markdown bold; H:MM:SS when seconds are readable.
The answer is **10:36:56**
